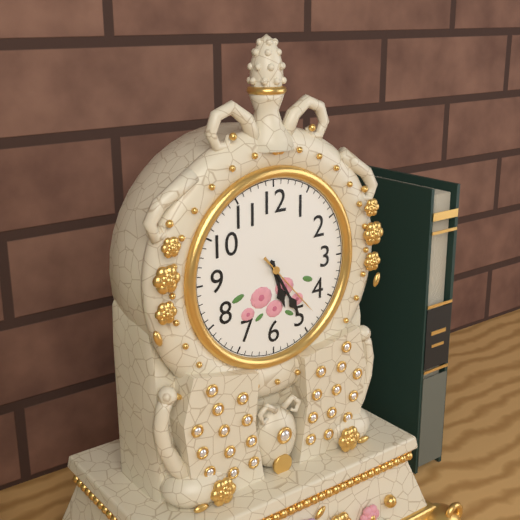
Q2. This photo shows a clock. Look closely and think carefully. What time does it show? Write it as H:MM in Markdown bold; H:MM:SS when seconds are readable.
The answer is **5:25:23**
